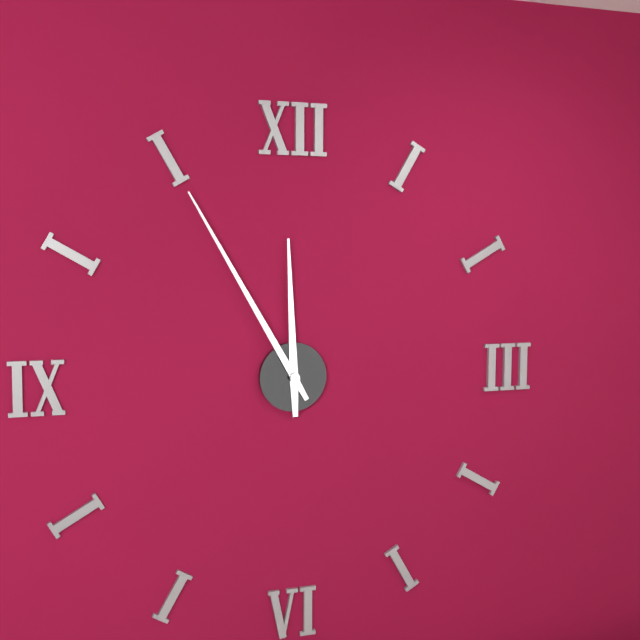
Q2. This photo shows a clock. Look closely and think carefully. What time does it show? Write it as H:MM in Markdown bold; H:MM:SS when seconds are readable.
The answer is **11:55**
